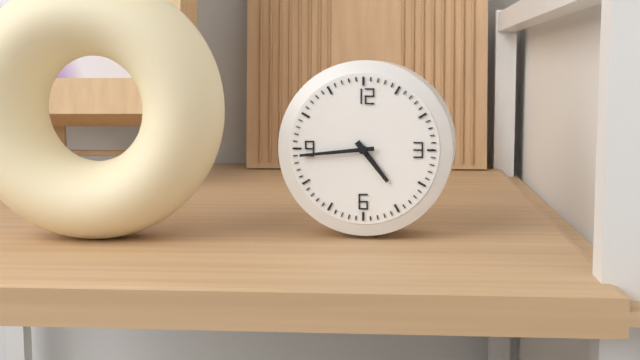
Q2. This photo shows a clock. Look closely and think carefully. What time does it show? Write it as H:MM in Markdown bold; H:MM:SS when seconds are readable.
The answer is **4:44**
